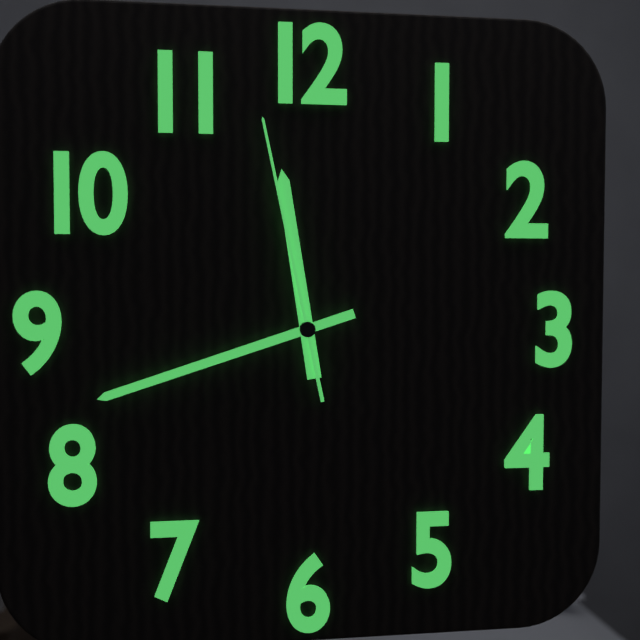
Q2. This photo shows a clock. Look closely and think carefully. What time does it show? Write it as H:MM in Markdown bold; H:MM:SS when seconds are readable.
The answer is **11:42:58**
